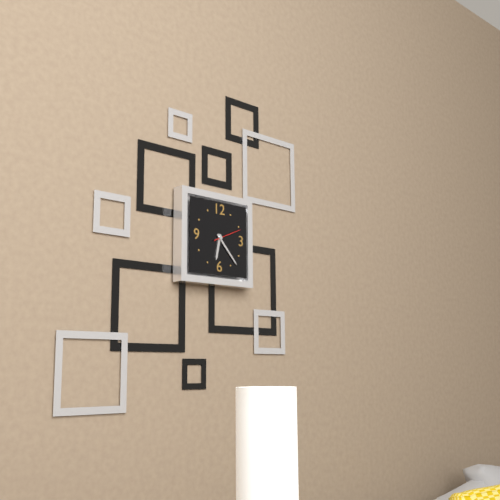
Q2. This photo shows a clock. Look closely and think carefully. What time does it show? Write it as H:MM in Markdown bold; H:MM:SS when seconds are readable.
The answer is **6:23**
